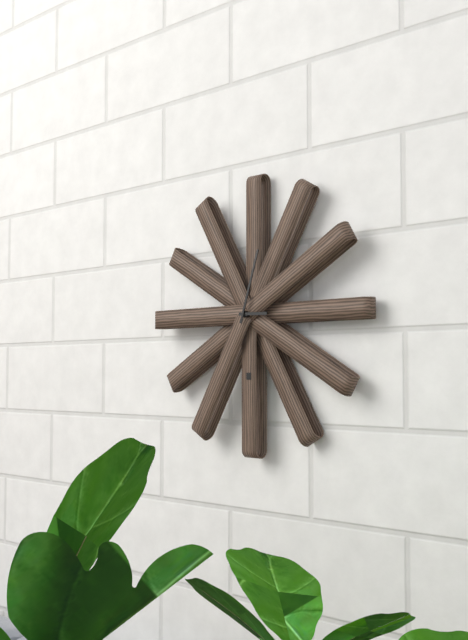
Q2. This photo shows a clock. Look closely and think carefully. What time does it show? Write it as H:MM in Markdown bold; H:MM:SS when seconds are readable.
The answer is **3:03**
